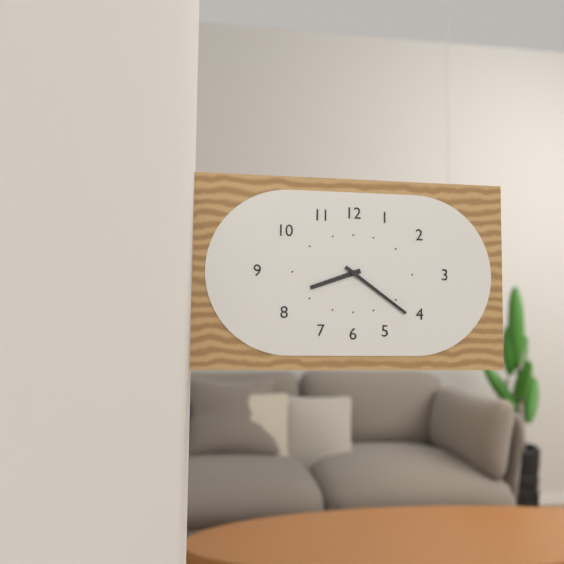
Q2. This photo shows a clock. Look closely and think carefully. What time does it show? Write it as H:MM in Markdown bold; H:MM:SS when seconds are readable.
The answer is **8:21**
